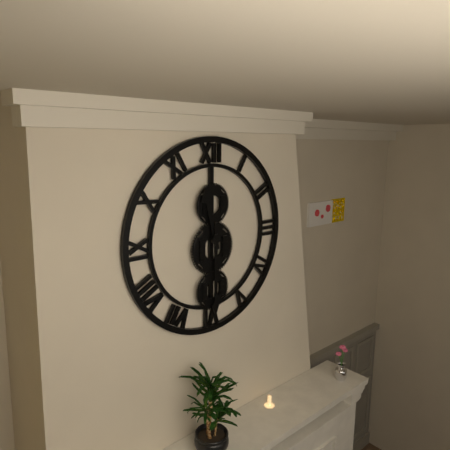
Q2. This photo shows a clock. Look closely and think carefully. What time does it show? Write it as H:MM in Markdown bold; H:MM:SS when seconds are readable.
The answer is **11:30**
